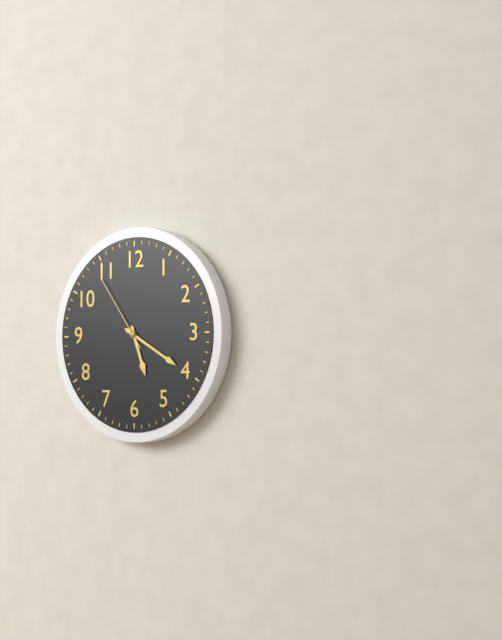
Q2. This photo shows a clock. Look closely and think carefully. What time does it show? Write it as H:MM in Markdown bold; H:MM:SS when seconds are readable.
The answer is **5:20:54**
